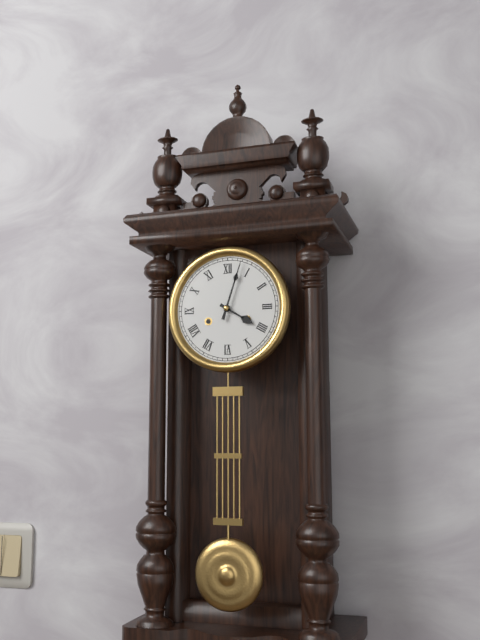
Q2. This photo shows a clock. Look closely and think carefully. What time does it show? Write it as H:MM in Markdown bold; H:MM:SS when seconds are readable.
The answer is **4:03**
